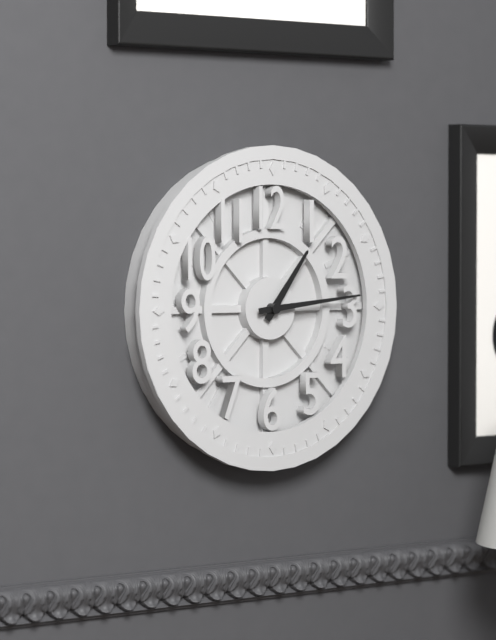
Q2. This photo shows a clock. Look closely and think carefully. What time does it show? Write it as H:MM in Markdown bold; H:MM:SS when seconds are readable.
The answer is **1:14**
